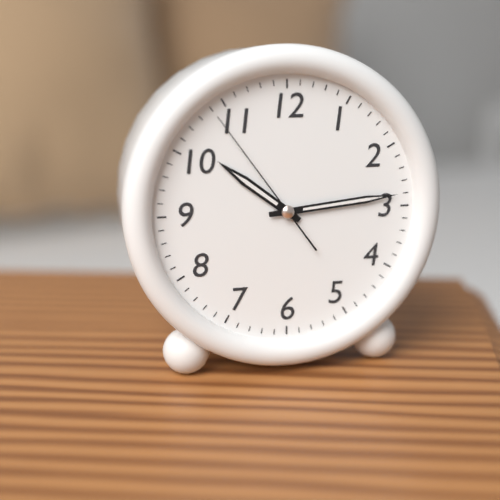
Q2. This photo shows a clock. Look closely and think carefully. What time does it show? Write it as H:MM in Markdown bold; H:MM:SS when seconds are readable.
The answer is **10:14:54**
